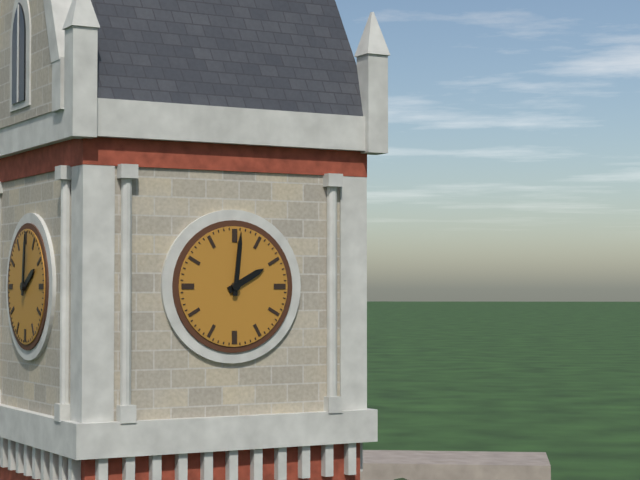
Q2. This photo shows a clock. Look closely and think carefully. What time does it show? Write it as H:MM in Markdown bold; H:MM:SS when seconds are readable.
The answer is **2:01**
